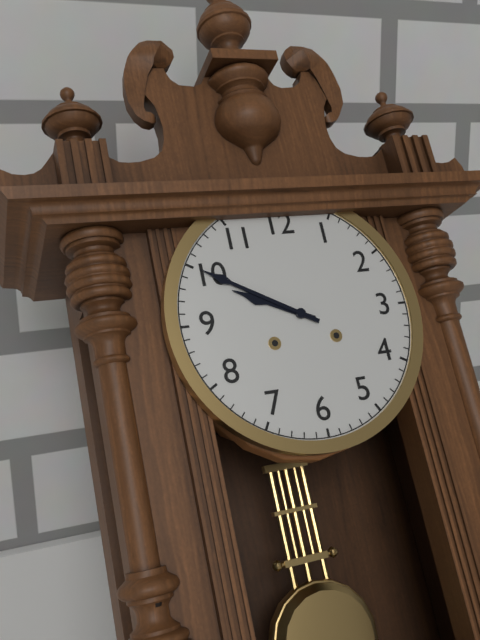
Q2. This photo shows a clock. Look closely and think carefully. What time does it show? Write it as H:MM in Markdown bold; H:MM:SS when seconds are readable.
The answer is **9:50**
